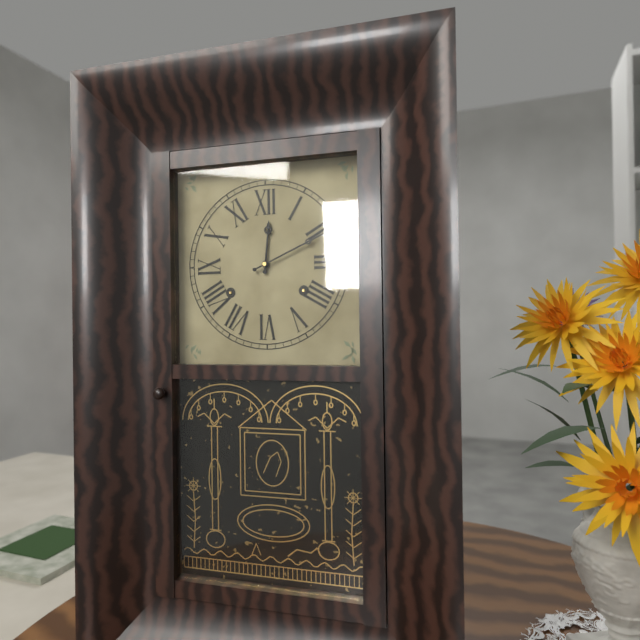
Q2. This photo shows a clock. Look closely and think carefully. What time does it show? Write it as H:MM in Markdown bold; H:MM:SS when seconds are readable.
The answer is **12:11**
